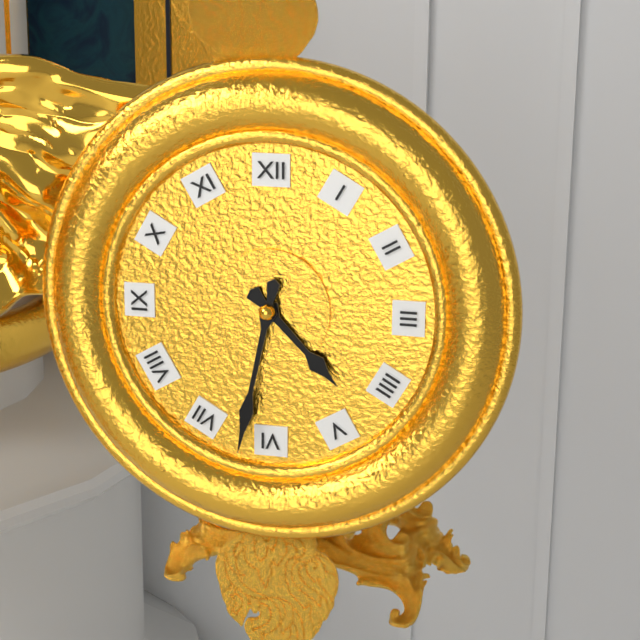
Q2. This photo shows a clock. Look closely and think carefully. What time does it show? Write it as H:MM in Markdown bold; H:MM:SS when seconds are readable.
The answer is **4:32**
